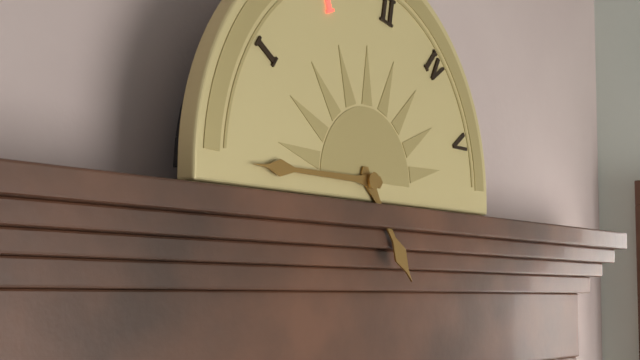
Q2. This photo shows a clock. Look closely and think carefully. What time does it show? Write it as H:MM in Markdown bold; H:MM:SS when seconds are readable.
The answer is **4:45**
